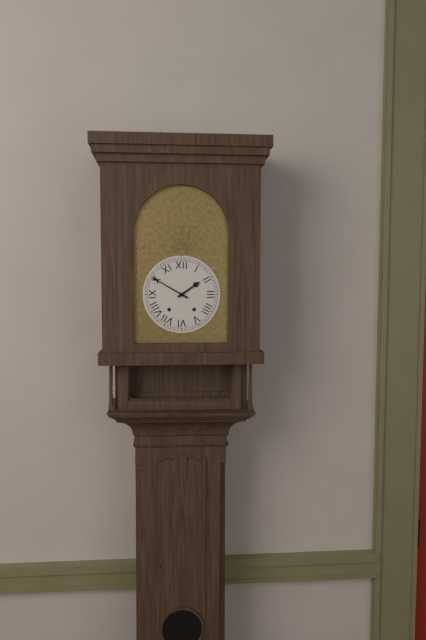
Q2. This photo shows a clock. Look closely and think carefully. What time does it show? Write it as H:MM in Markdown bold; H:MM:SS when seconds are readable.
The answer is **1:50**
